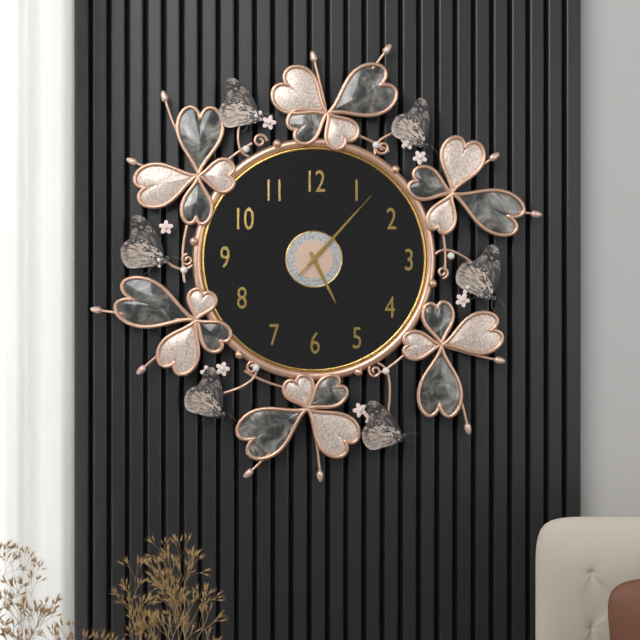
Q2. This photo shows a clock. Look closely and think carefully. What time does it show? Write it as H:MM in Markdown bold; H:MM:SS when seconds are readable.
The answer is **5:07:07**
